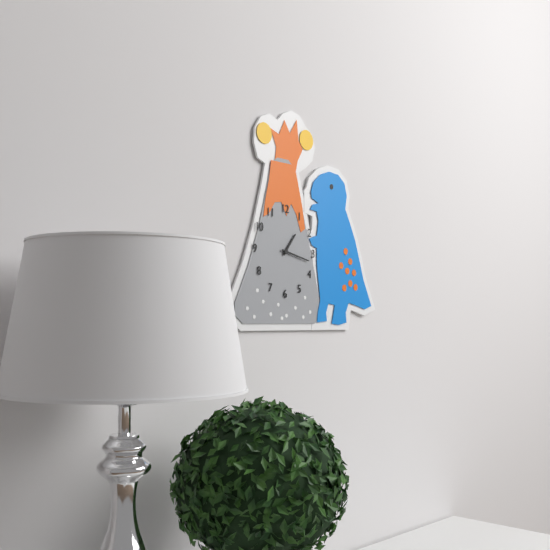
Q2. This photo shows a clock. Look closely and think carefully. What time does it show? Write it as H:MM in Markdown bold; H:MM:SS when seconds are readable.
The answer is **1:17**
